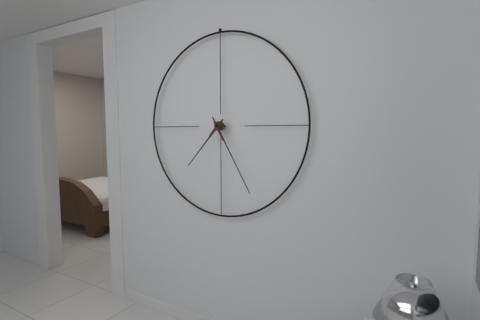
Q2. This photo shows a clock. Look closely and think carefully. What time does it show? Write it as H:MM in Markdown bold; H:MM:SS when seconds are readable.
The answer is **7:25**
